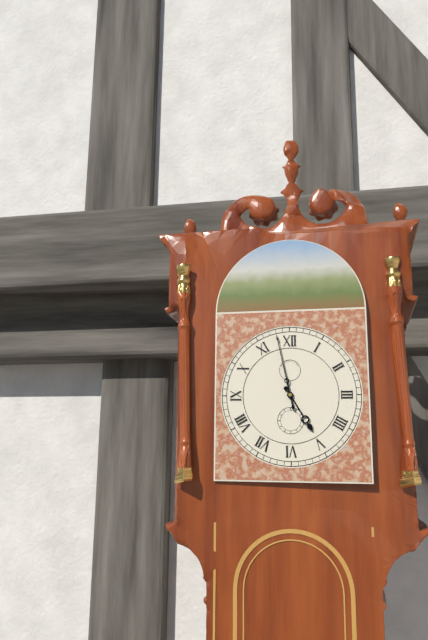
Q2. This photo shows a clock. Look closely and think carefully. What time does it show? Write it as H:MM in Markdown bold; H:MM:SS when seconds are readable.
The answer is **4:58**
